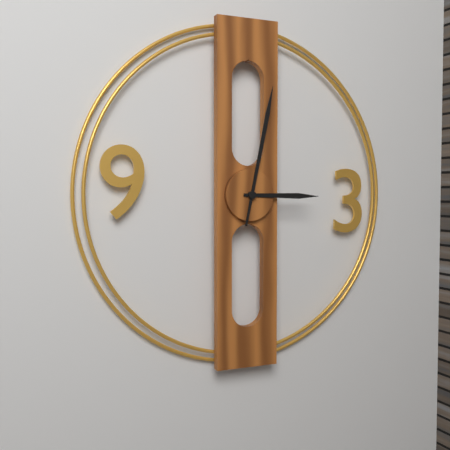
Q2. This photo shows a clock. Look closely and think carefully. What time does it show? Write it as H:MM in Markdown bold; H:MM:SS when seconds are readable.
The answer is **3:02**
